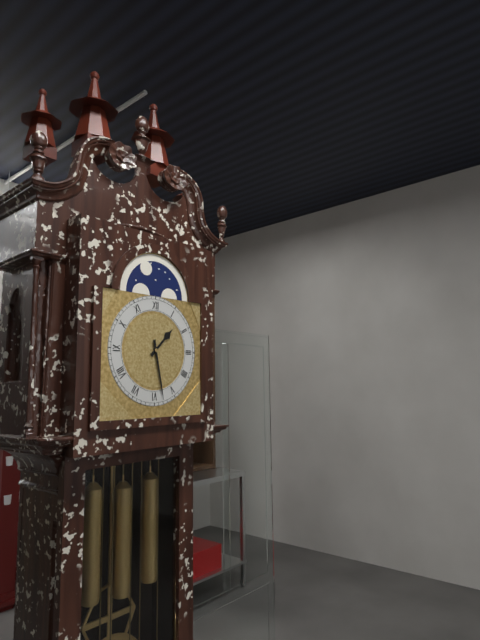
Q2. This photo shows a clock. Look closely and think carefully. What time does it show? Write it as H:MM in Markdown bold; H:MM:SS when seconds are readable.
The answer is **1:28**
